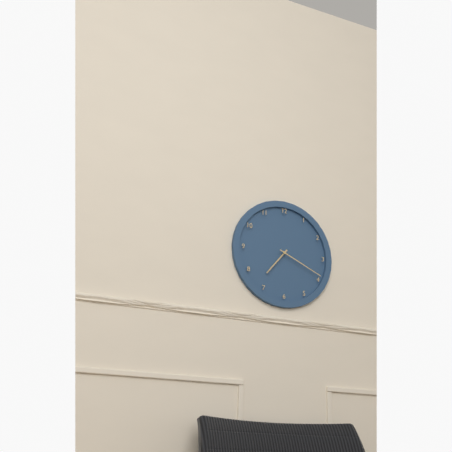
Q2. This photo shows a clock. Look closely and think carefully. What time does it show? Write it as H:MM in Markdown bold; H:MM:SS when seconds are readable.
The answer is **7:19**
